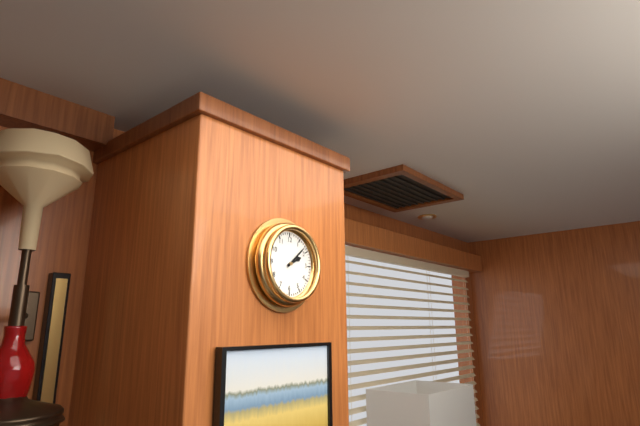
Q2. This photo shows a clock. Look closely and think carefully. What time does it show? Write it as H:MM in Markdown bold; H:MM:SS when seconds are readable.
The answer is **2:08**
